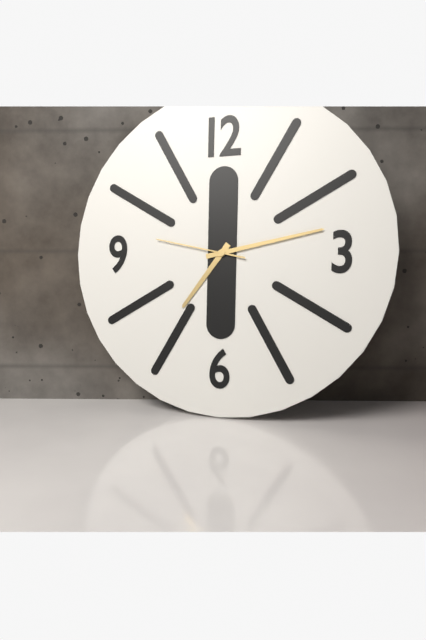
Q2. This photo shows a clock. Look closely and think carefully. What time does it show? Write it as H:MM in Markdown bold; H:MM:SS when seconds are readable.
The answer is **7:13:47**
